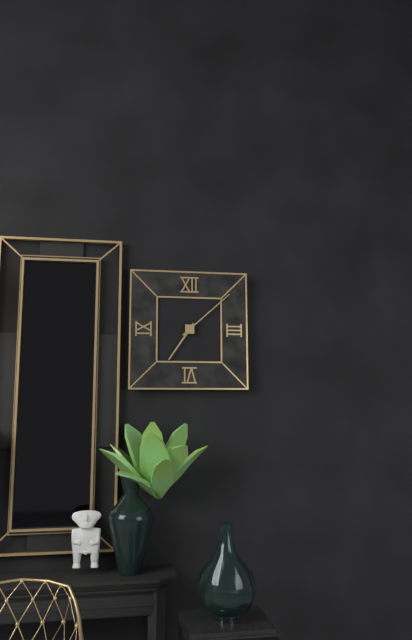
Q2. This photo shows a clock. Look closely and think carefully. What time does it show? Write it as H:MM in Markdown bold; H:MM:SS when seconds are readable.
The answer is **7:08**
